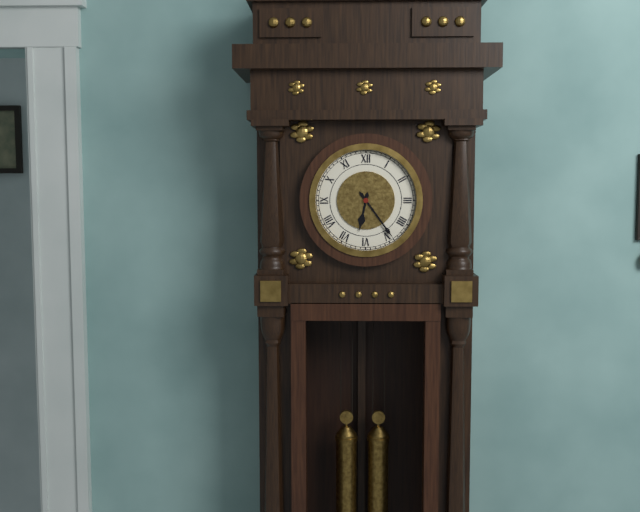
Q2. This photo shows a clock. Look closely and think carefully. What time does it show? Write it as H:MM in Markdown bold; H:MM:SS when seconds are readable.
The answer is **6:24**
